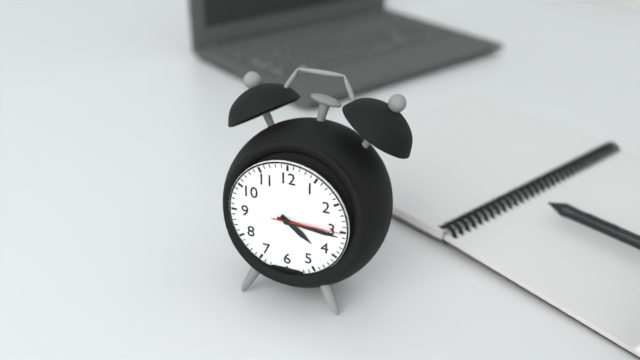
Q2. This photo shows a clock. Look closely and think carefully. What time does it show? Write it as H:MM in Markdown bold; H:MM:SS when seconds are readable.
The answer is **4:16:15**
